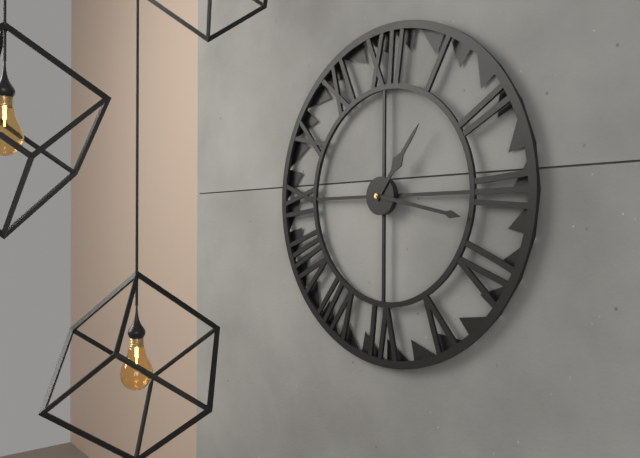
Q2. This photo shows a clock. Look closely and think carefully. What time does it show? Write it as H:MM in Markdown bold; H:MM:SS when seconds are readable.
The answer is **1:17**
